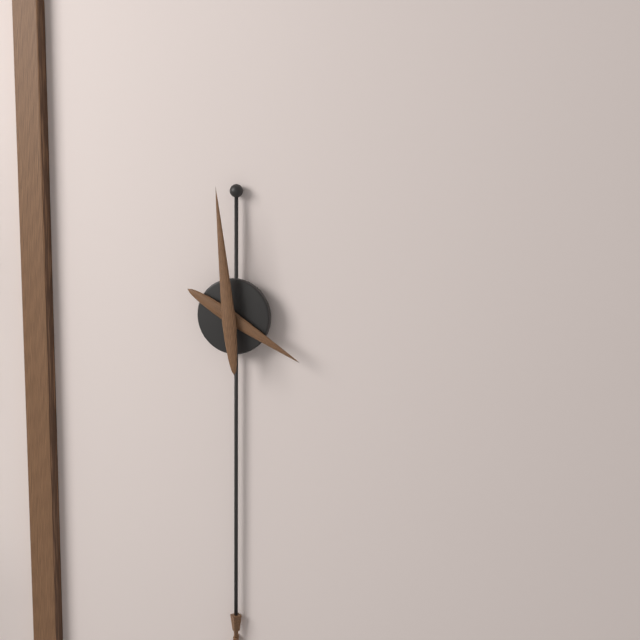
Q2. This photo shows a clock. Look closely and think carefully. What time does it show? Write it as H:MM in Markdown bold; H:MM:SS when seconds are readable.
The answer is **3:59**
